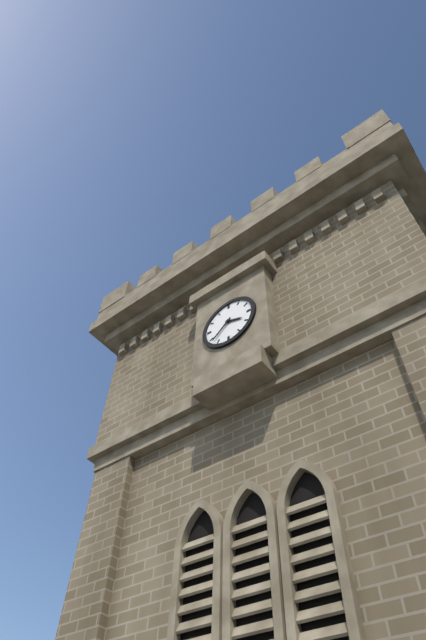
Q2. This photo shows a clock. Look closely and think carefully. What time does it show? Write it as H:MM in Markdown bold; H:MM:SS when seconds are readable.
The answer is **3:38**
